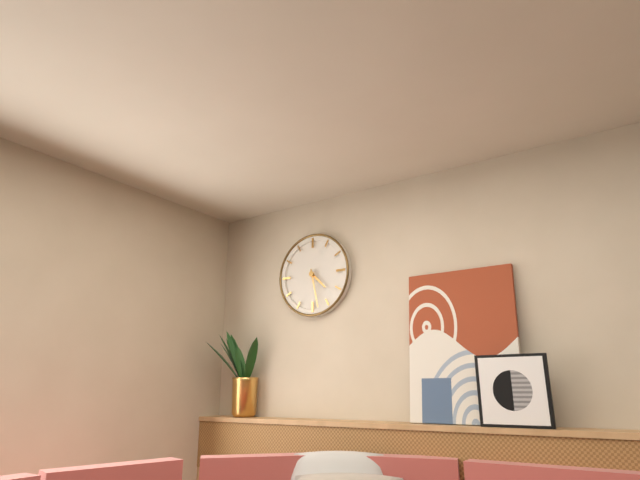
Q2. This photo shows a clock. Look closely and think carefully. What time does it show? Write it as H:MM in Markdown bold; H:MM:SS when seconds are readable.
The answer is **4:28**
